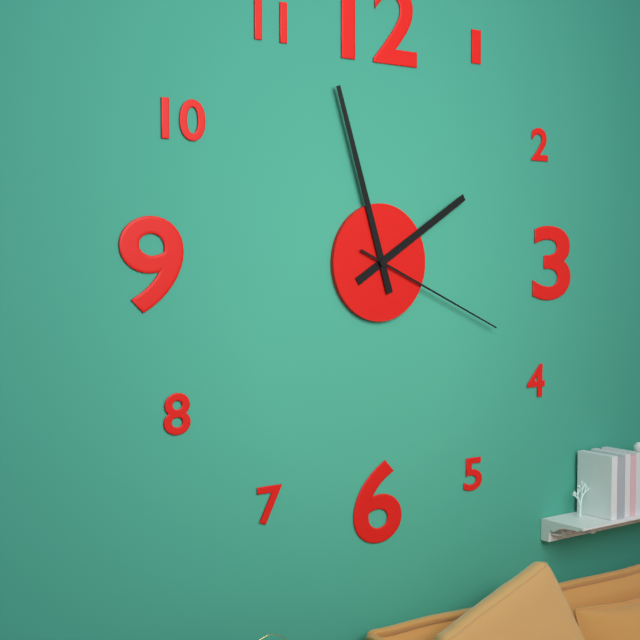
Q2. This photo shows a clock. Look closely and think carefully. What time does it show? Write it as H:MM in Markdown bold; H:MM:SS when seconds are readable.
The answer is **1:57:19**
